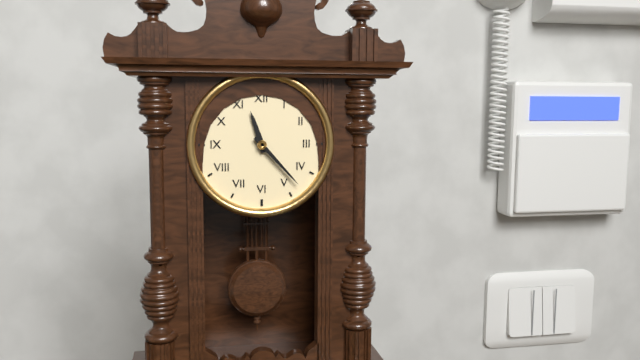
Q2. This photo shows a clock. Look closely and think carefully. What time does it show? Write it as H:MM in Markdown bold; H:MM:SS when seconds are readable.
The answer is **11:23**
